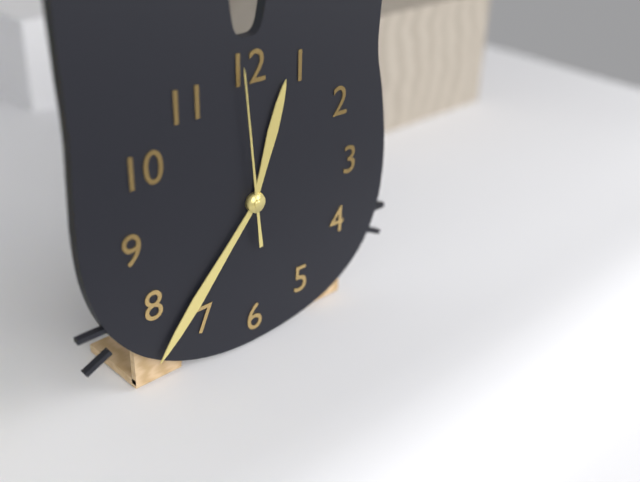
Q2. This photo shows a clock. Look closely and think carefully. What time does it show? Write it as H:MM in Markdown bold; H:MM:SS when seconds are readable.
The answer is **12:37:59**
